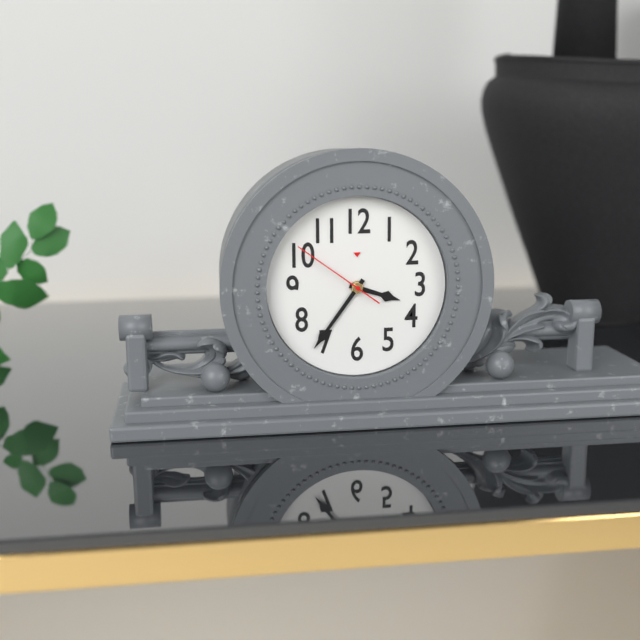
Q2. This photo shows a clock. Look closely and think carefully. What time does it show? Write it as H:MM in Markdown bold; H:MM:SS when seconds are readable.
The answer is **3:36:51**
